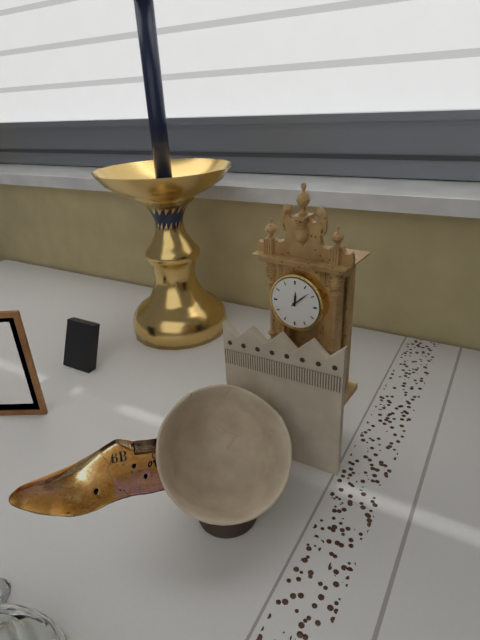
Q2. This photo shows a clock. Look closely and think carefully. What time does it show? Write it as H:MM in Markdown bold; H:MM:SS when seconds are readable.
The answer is **12:08**
